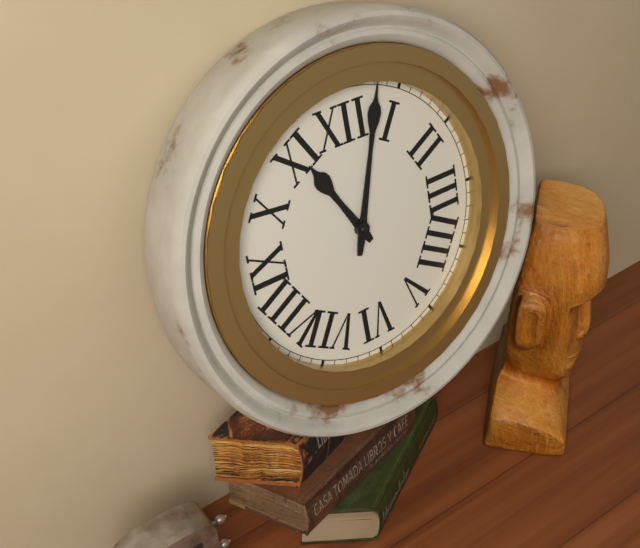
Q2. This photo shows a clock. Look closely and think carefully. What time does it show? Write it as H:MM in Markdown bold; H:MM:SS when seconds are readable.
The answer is **11:03**
